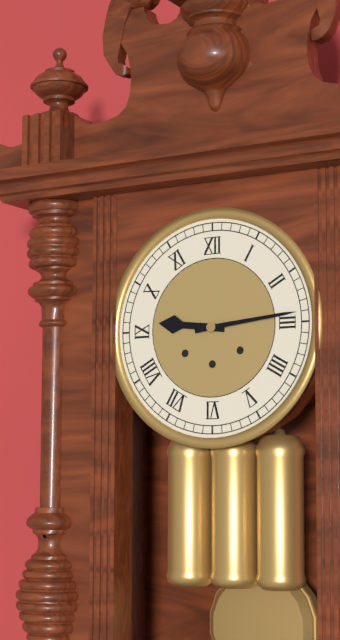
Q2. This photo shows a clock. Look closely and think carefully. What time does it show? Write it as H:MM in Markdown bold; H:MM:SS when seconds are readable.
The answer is **9:14**
